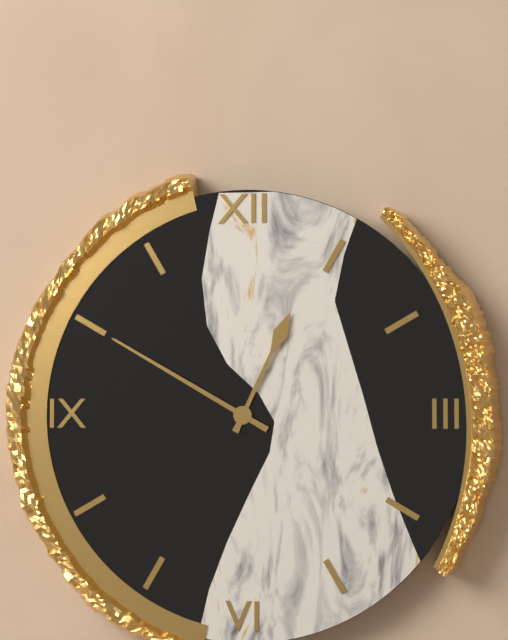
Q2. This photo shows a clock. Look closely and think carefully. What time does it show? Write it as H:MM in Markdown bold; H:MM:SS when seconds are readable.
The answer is **12:50**
